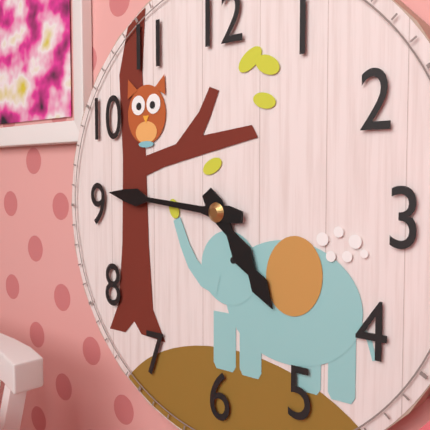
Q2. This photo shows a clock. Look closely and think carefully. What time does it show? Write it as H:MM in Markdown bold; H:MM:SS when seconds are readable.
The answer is **4:46**
